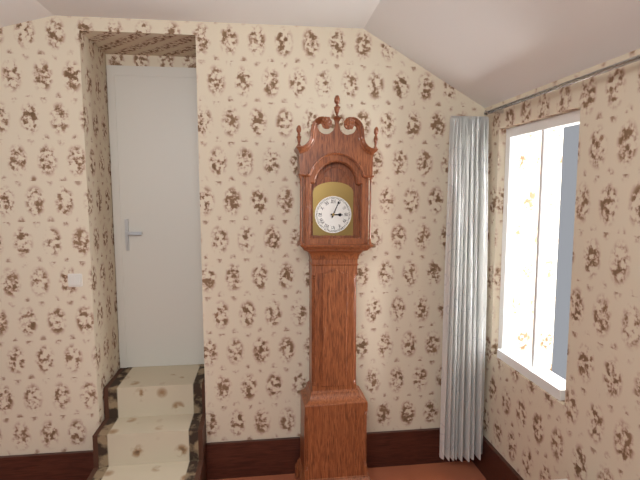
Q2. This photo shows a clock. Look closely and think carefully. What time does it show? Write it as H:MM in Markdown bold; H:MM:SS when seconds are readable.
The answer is **3:04**
